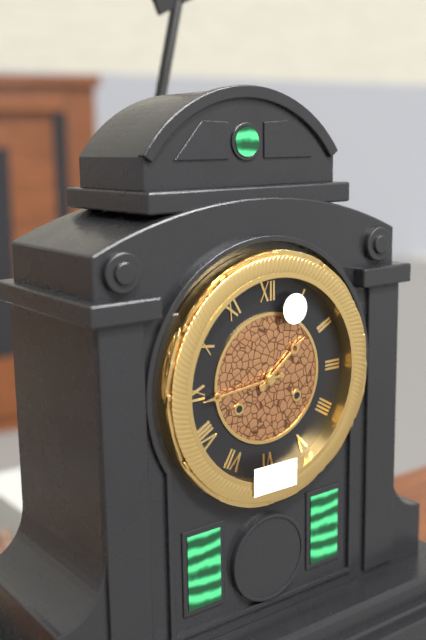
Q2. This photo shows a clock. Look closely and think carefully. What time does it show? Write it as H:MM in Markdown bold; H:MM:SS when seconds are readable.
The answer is **1:44**
